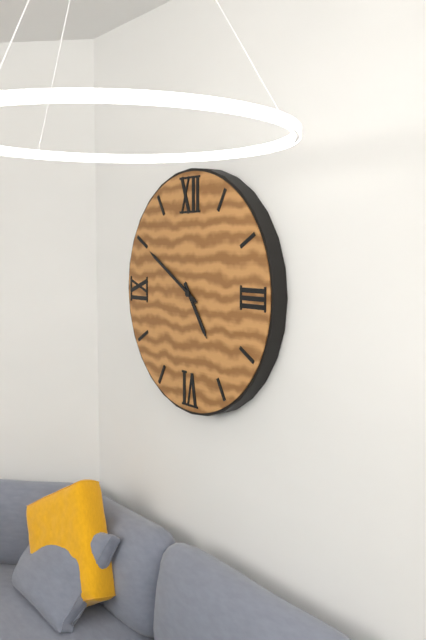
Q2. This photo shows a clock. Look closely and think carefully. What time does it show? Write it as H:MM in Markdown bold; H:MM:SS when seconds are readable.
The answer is **4:50**
